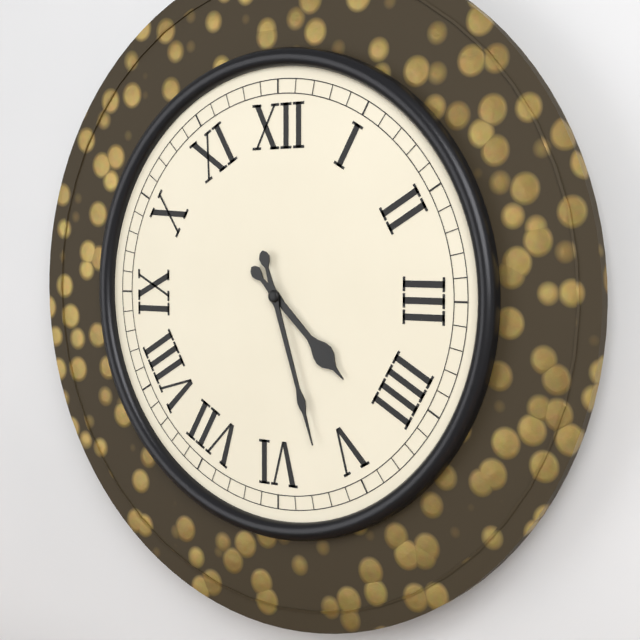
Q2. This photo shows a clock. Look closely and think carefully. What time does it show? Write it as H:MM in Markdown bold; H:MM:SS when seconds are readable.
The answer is **4:27**
